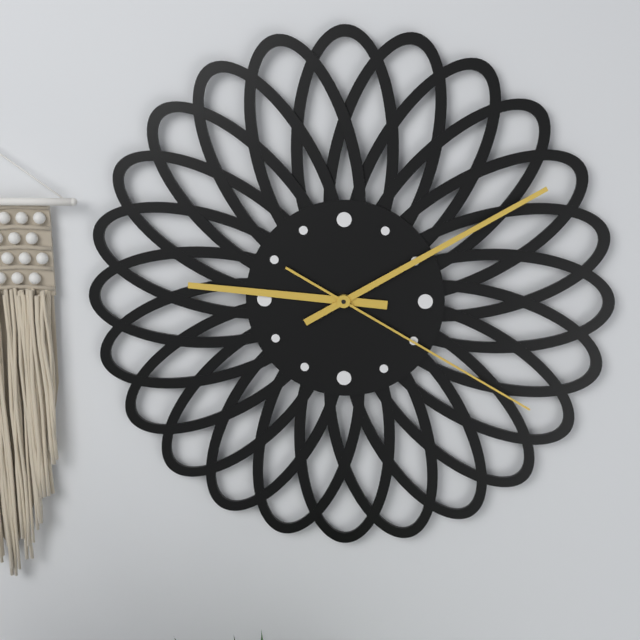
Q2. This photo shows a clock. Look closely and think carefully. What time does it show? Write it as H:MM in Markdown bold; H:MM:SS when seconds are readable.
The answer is **9:10:20**
